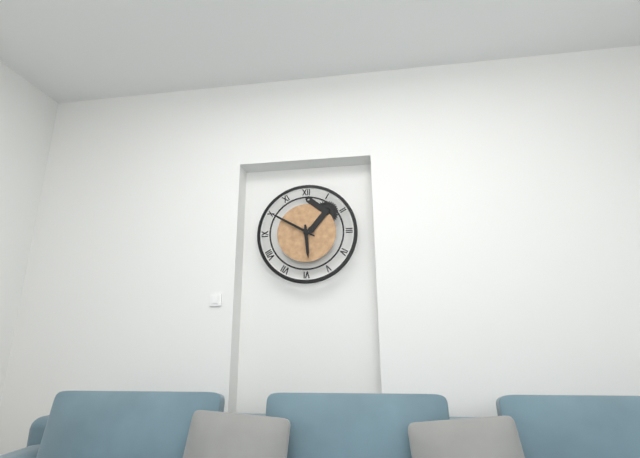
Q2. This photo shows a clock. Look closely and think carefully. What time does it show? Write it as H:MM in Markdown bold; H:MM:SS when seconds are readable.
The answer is **5:50**
